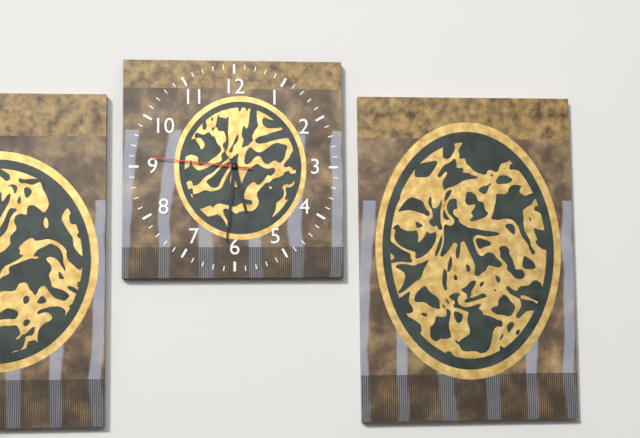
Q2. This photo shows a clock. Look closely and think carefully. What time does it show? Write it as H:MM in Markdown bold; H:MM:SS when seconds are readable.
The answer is **5:31:46**
